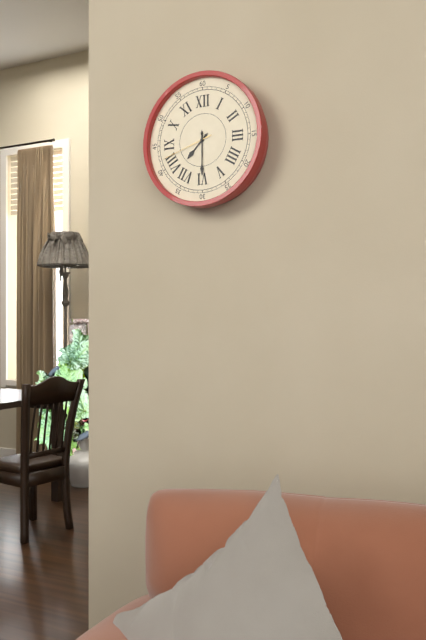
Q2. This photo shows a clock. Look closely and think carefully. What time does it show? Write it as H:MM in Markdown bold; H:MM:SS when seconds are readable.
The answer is **7:30:42**
